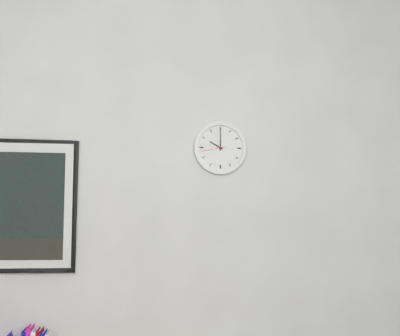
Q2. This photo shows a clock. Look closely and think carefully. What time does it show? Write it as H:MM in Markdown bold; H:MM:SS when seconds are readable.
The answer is **10:00**
